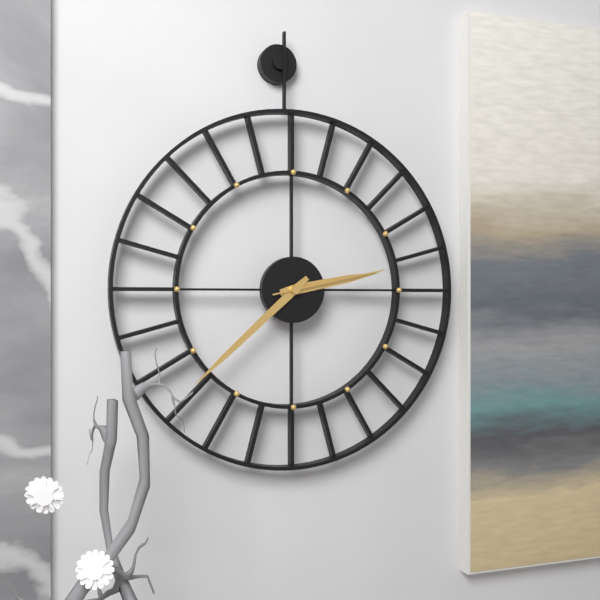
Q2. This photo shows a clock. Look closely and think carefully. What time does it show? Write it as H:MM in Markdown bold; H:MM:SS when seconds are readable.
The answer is **2:38:13**
